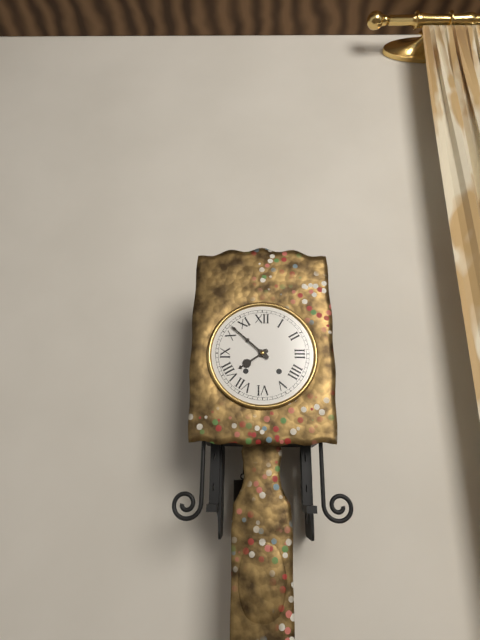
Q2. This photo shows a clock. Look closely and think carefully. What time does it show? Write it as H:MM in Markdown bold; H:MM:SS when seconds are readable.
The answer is **7:52**
